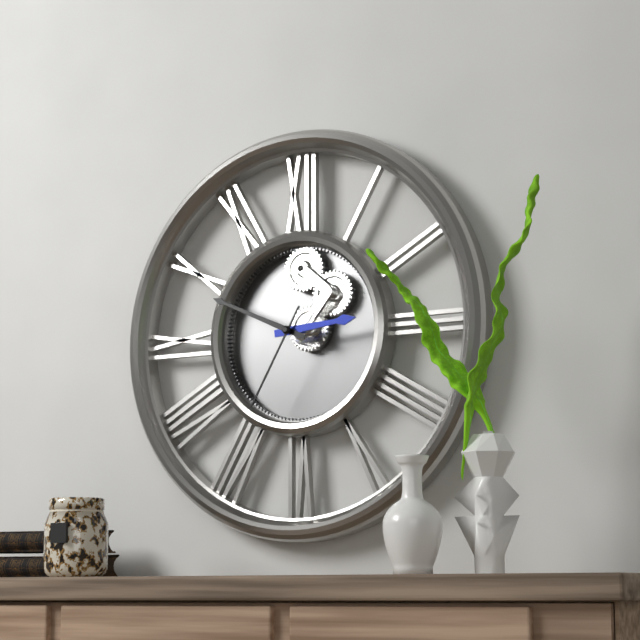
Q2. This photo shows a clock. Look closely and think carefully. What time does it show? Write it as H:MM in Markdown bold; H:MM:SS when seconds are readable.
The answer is **2:49:35**
